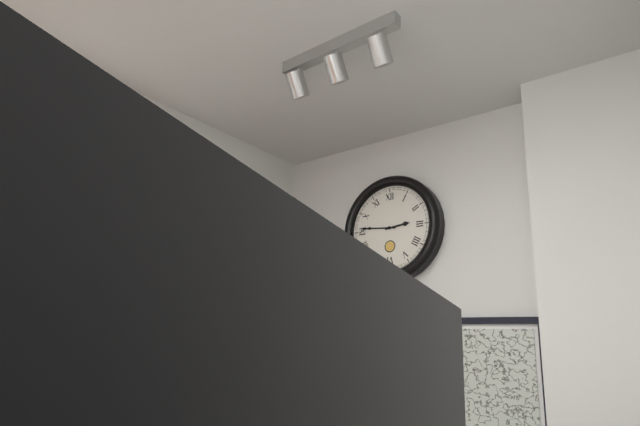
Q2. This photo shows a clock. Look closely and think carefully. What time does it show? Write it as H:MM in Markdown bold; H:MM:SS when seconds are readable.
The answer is **2:46**
